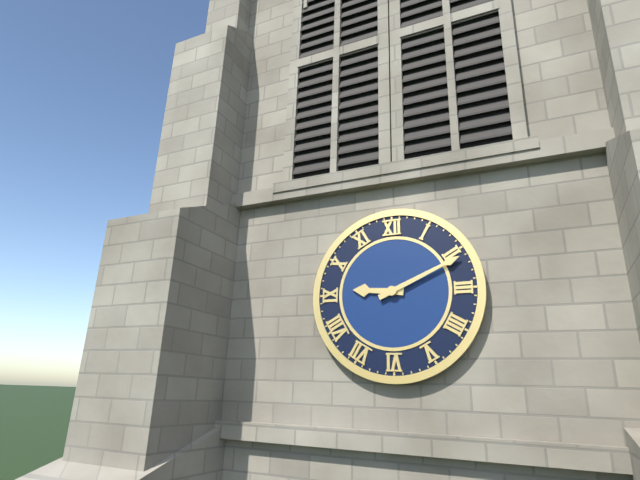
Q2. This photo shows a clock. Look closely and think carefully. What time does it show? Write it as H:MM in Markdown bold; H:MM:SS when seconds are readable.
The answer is **9:11**
